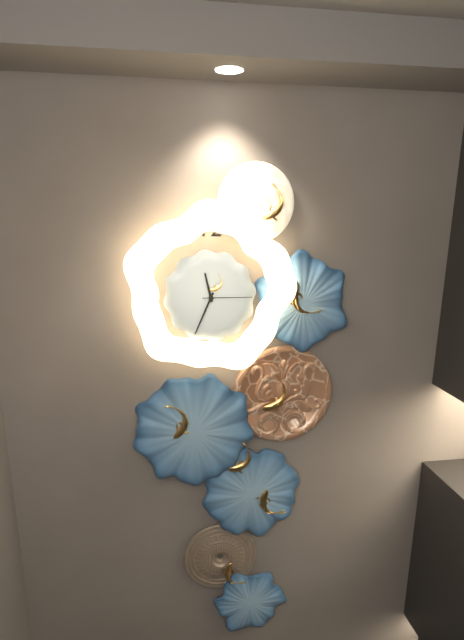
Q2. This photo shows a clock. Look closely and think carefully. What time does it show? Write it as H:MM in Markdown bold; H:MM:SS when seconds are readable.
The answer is **11:34:15**
